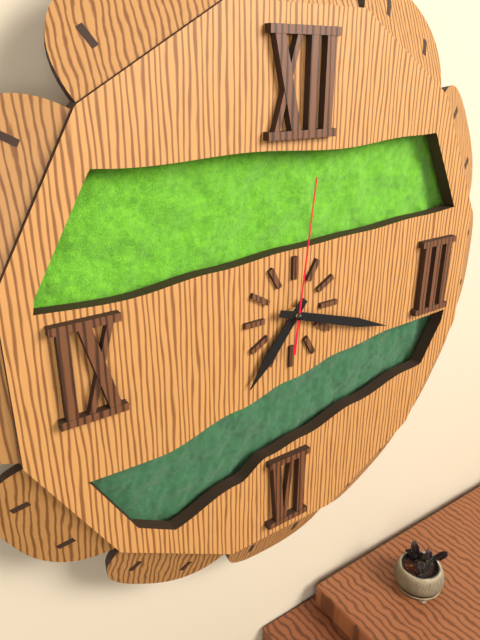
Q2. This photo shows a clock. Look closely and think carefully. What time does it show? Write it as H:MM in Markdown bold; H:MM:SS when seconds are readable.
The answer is **7:18:01**
